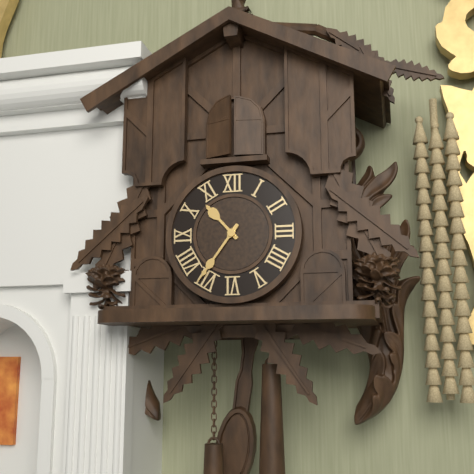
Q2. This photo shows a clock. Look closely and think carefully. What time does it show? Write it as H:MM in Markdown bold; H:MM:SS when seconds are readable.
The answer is **10:36**
